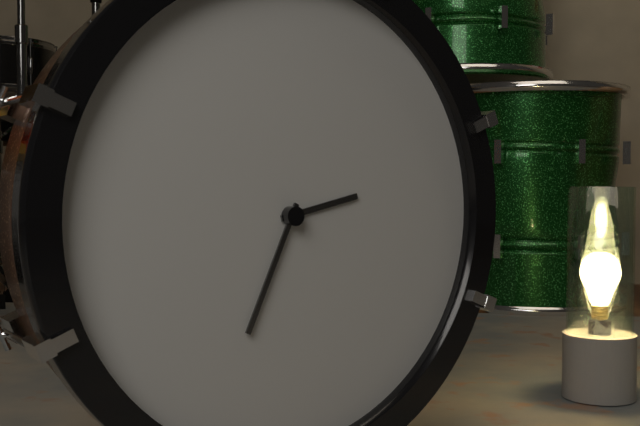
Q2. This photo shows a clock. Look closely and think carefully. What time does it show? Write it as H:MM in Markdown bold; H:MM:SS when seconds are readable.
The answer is **2:34**
